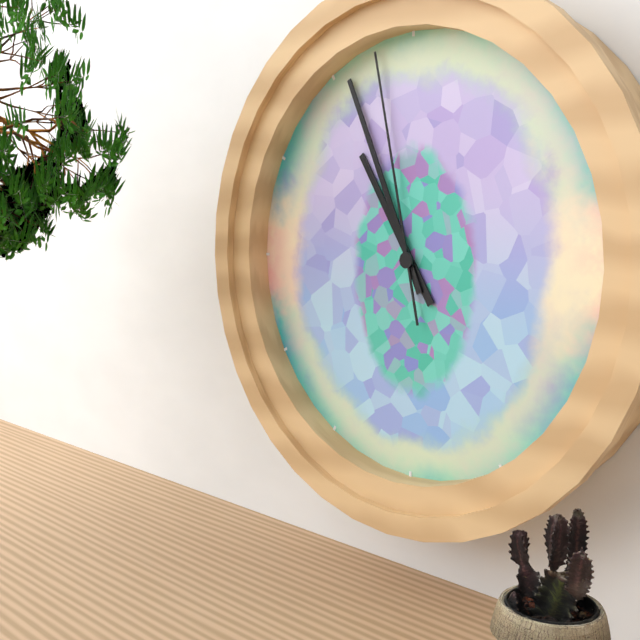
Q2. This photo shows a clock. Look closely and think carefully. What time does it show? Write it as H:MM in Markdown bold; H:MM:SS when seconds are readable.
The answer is **10:56:58**
